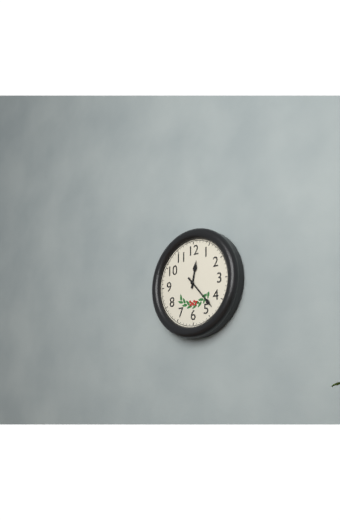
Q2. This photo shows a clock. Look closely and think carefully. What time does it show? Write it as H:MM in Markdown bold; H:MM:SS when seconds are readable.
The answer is **12:23**
